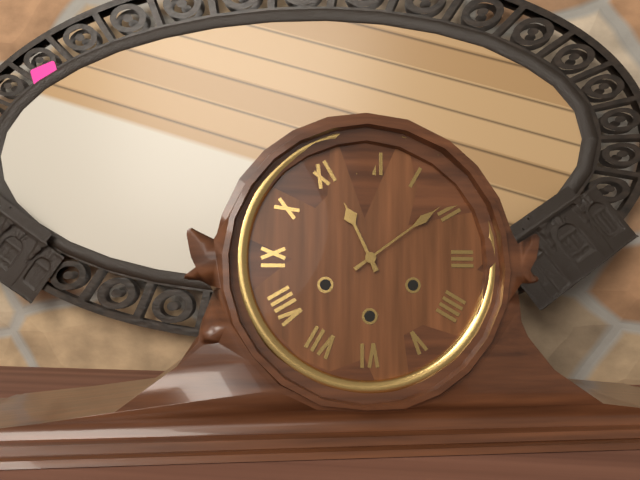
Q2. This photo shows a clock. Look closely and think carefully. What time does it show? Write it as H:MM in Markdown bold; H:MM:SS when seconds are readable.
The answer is **11:09**
